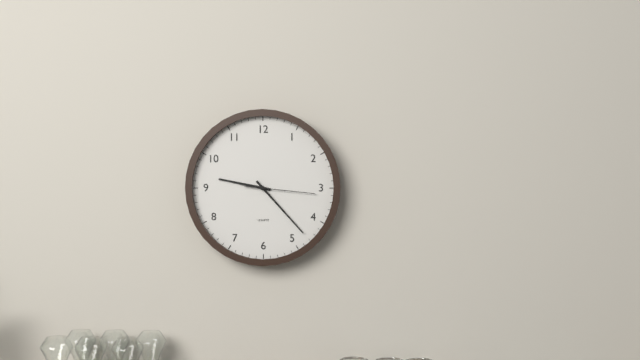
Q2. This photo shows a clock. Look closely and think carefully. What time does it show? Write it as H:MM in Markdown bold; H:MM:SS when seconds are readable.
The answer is **9:23:16**
